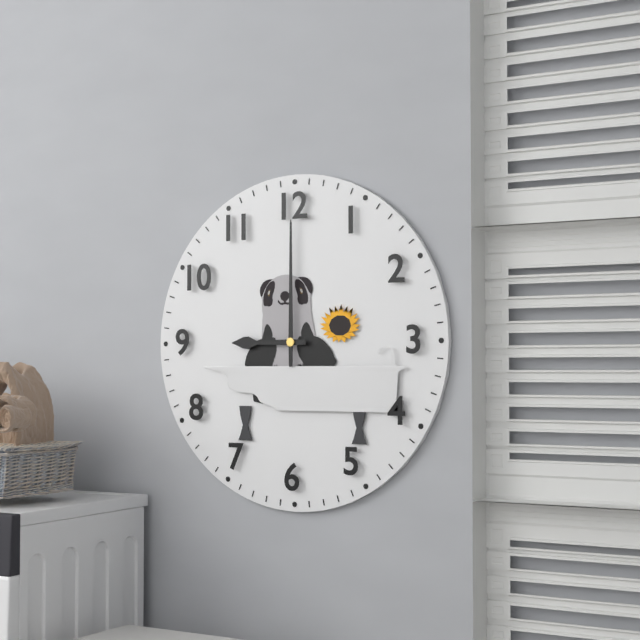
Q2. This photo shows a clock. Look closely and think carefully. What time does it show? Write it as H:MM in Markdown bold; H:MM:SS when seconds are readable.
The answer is **9:00**
